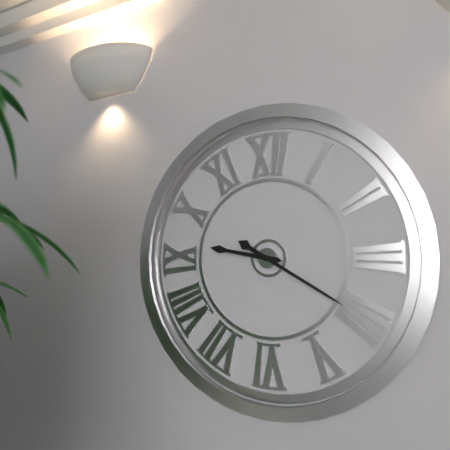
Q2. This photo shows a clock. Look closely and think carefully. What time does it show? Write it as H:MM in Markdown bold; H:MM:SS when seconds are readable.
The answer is **9:20**
